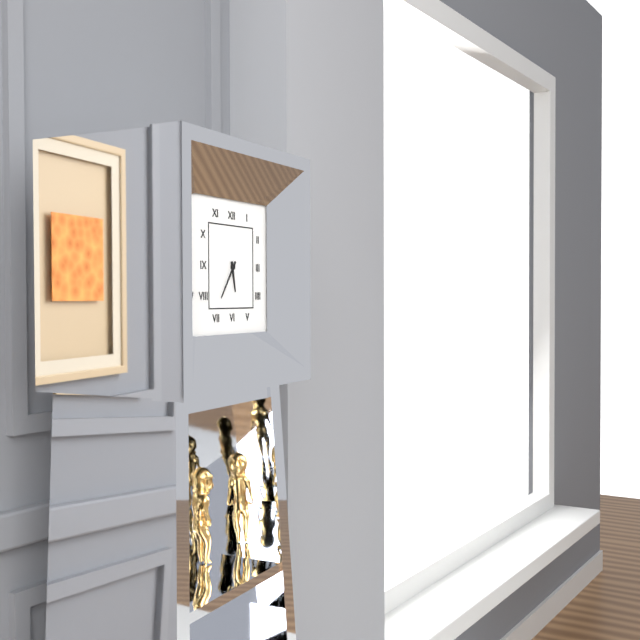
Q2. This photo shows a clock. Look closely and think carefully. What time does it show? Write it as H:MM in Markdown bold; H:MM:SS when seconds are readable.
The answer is **5:36**
